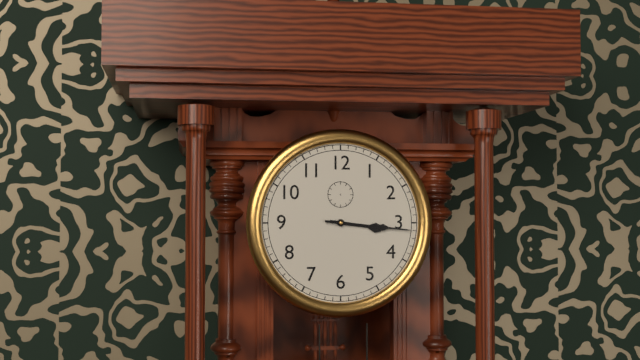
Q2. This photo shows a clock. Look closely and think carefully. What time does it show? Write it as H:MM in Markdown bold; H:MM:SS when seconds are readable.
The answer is **3:16**
